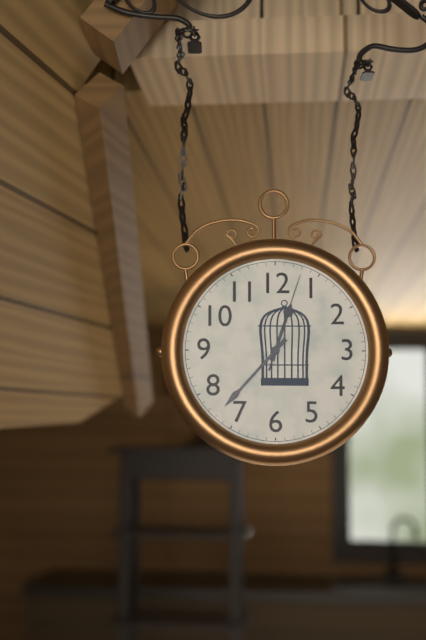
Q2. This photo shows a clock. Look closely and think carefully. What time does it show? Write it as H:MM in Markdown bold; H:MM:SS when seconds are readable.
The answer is **12:37:03**
